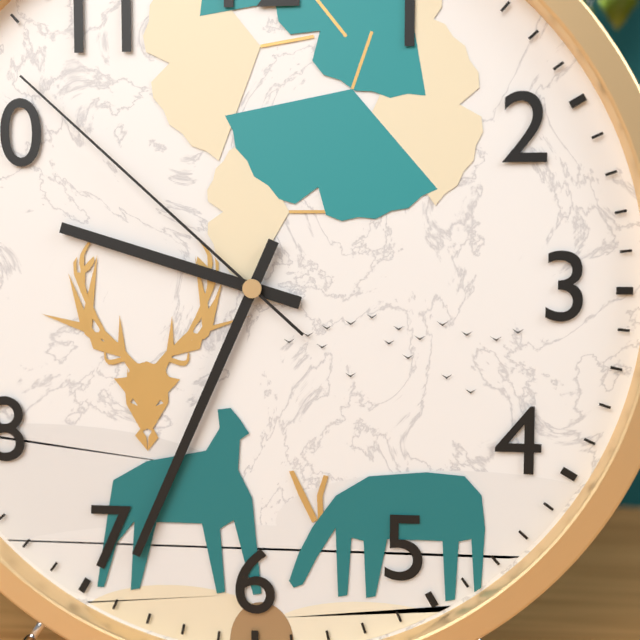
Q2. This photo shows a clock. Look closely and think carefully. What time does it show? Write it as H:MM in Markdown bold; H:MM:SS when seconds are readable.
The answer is **9:34:52**
